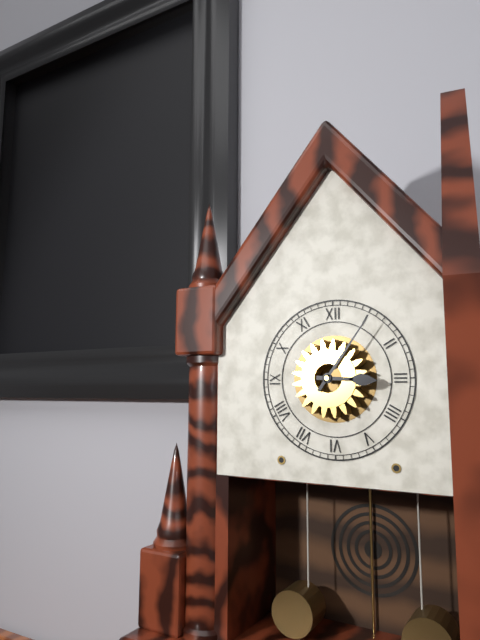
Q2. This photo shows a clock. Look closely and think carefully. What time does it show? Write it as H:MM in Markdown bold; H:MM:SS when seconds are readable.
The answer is **3:06**
